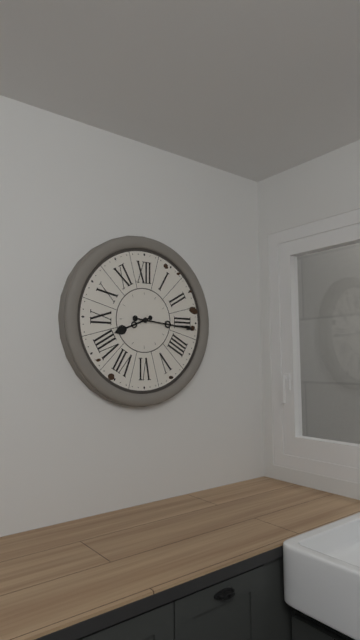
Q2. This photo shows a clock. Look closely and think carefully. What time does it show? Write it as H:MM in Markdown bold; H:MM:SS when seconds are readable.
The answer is **8:16**
